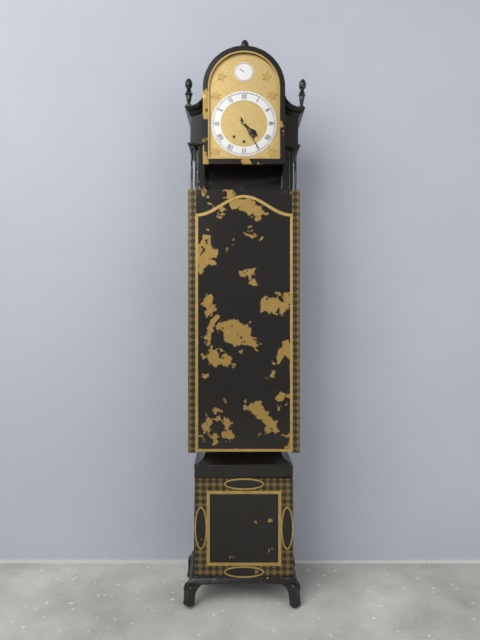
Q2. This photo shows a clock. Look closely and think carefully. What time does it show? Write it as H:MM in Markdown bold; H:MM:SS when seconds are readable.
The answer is **4:25**
